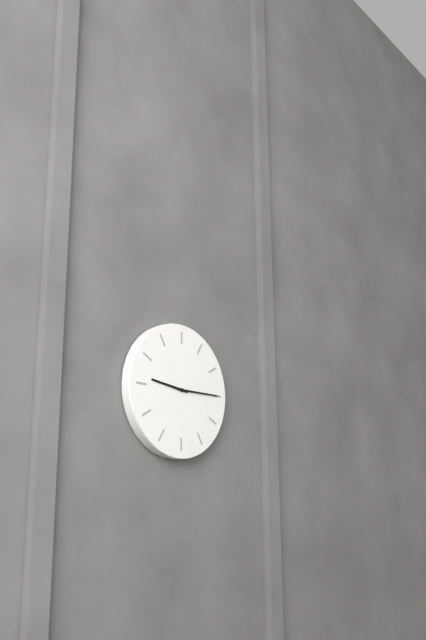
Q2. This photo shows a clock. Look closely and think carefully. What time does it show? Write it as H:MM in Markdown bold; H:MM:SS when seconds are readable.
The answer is **9:15**
